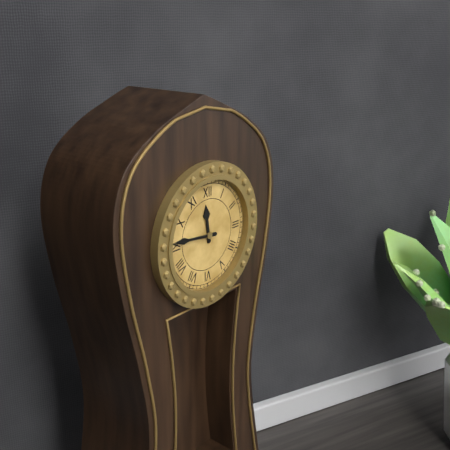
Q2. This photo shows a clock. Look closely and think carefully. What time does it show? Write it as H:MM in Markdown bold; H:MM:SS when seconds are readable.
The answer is **11:46**
